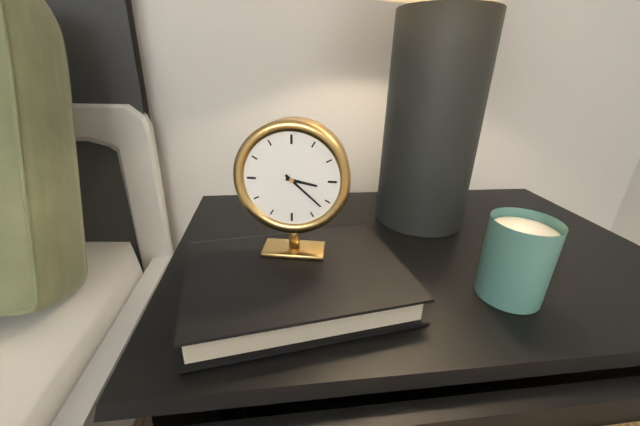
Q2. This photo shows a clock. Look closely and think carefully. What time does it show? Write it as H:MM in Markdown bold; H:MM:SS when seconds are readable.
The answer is **3:22**
